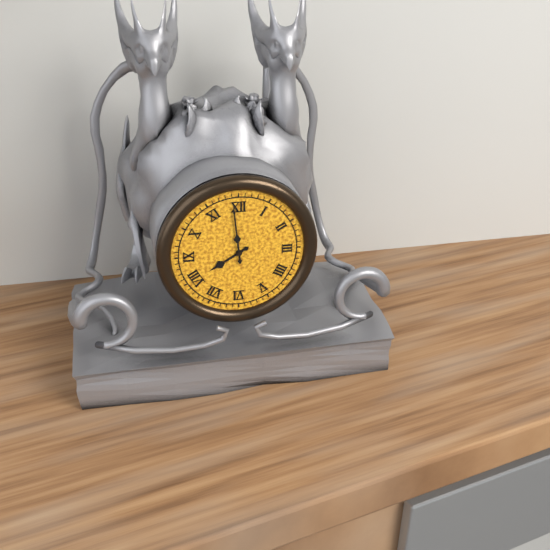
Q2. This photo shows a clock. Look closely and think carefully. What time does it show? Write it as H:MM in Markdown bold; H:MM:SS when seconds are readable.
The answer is **7:59**
